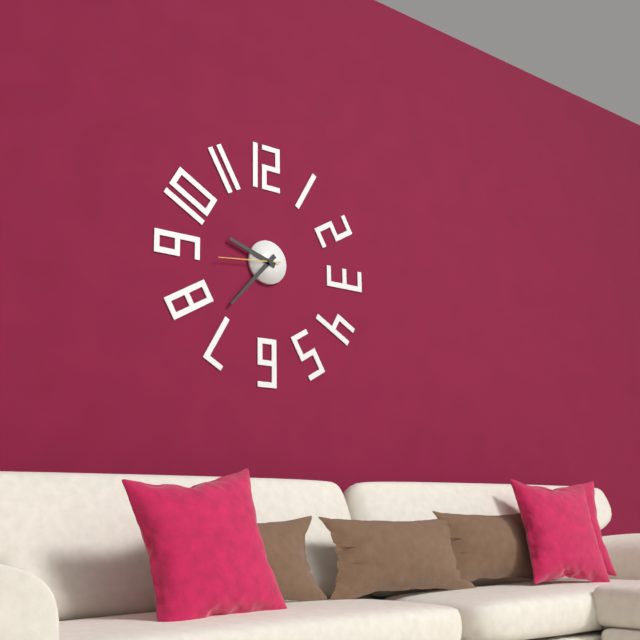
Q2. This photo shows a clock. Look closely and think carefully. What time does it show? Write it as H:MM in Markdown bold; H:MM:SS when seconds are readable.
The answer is **9:37:44**
